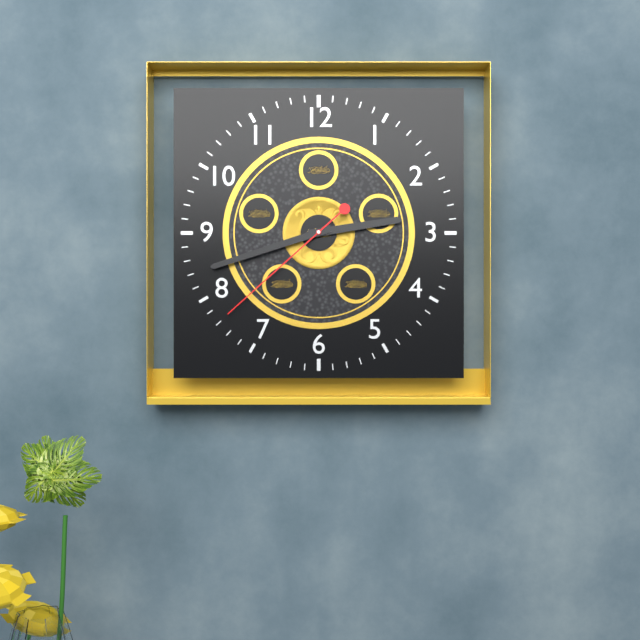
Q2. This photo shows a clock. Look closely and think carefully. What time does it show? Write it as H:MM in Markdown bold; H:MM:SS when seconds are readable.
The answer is **2:42:38**
